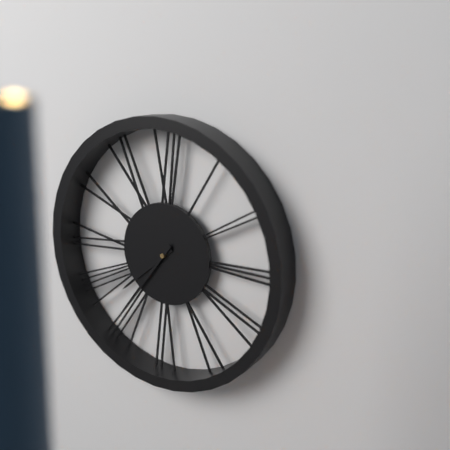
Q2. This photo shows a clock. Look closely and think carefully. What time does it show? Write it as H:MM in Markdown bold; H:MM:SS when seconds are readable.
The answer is **7:36**
